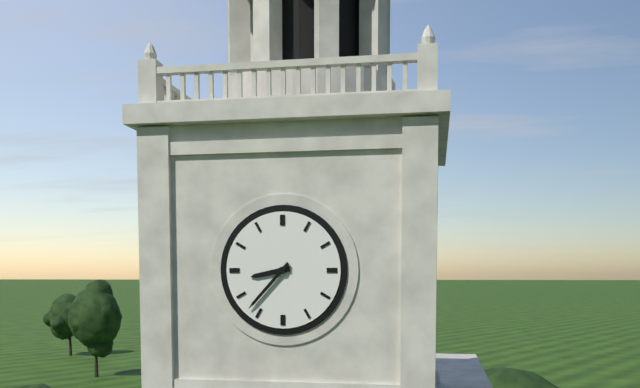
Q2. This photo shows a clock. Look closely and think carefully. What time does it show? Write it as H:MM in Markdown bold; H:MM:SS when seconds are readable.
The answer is **8:37**
